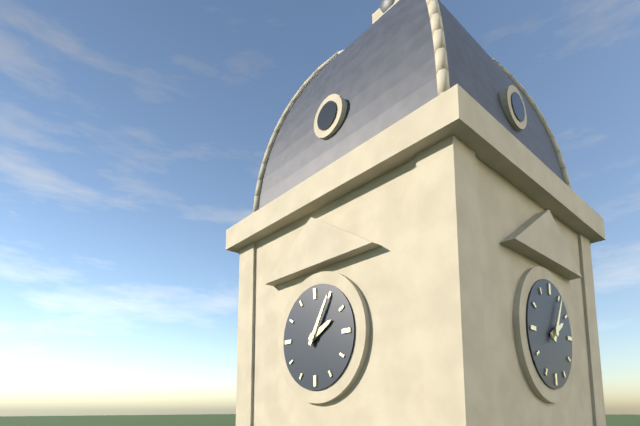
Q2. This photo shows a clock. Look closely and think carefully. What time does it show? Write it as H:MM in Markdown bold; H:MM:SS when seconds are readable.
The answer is **2:05**
